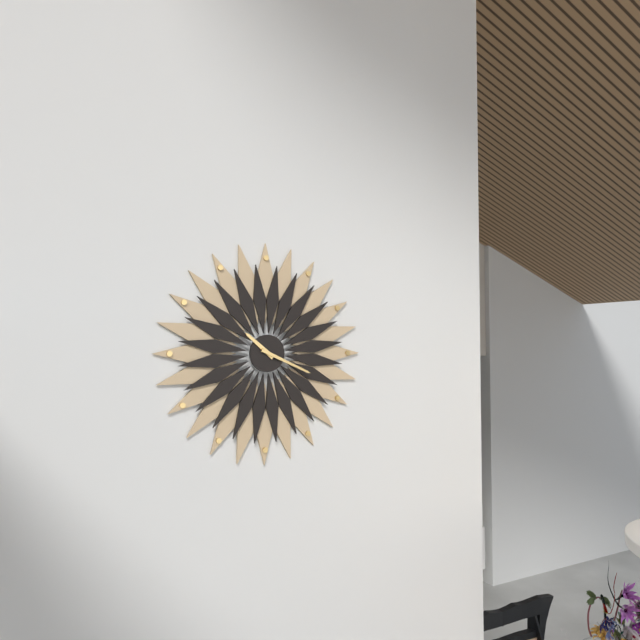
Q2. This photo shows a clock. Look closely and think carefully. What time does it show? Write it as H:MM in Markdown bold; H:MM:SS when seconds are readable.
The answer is **10:19**
